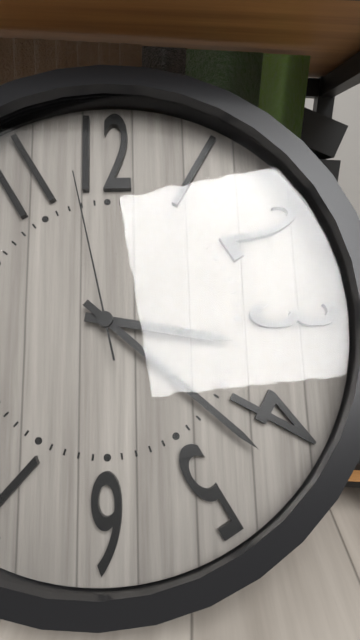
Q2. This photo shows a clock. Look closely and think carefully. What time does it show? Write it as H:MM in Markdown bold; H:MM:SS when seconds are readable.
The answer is **3:22:58**
